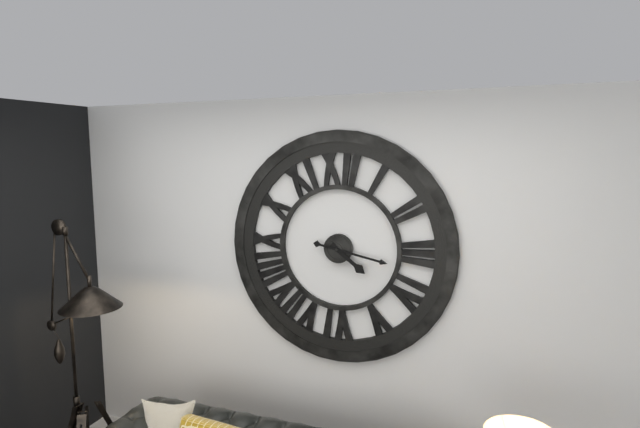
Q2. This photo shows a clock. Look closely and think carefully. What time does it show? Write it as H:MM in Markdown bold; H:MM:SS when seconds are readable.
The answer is **4:17**
